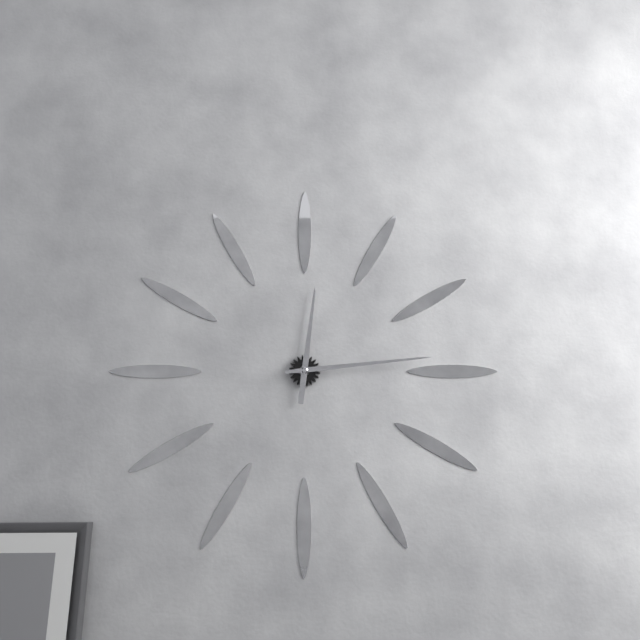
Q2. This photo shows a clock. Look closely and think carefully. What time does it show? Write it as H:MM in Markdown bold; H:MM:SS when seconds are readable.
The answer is **12:14**
